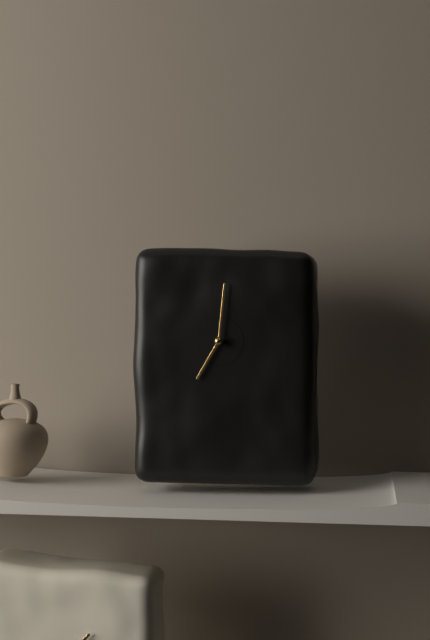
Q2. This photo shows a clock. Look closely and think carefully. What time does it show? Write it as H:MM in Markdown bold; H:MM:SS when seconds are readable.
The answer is **7:01**
